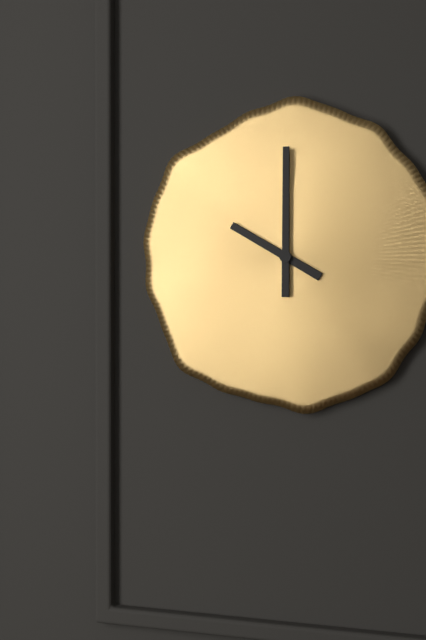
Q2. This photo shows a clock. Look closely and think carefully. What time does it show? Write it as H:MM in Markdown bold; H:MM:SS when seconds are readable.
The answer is **10:00**
